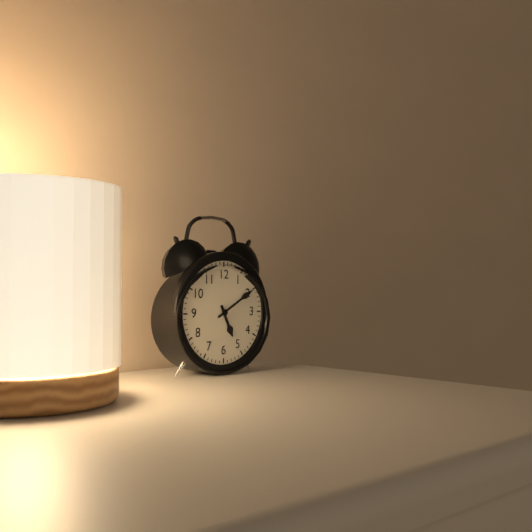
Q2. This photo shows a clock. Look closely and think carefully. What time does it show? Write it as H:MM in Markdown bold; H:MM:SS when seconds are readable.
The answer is **5:10**
